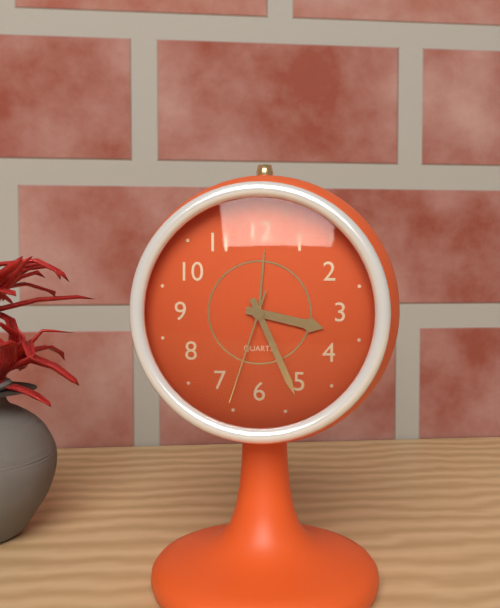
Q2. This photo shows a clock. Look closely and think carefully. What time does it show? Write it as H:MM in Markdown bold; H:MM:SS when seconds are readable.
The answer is **3:26:33**
